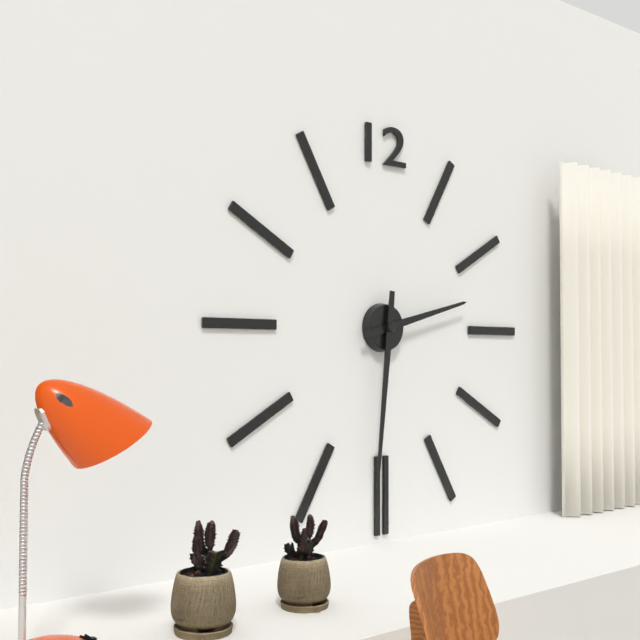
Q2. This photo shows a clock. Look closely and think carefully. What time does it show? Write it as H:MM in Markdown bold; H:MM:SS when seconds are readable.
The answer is **2:31**
